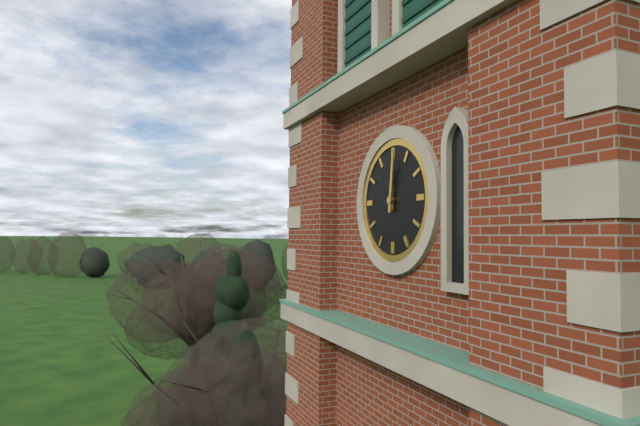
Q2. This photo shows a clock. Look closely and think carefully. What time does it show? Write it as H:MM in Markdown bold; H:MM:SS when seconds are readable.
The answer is **12:01**
